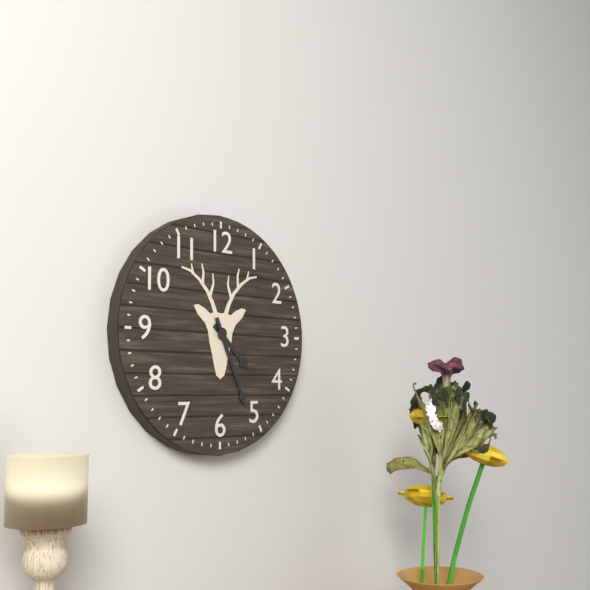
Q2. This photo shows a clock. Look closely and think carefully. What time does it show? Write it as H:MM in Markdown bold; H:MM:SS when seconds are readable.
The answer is **4:26**
